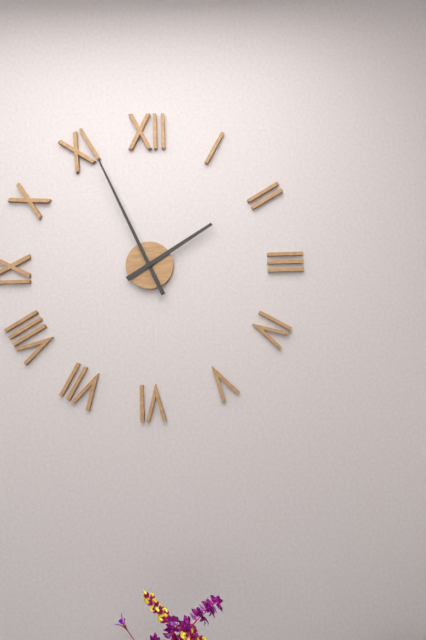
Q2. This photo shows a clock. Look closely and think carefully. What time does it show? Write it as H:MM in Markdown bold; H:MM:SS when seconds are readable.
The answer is **1:56**
